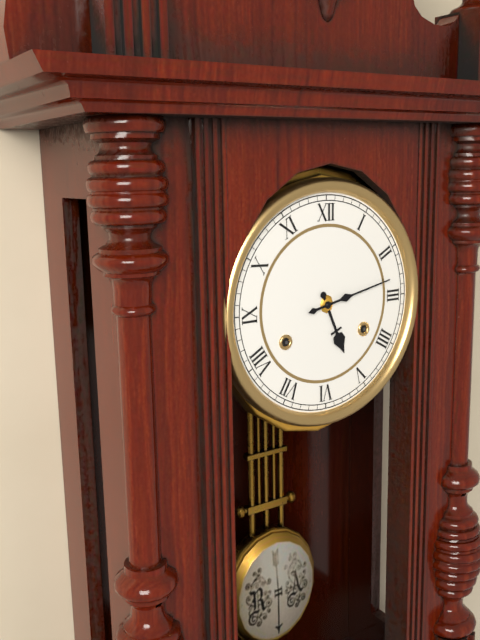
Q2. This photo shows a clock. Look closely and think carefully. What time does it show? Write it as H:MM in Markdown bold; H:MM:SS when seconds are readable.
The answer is **5:13**
